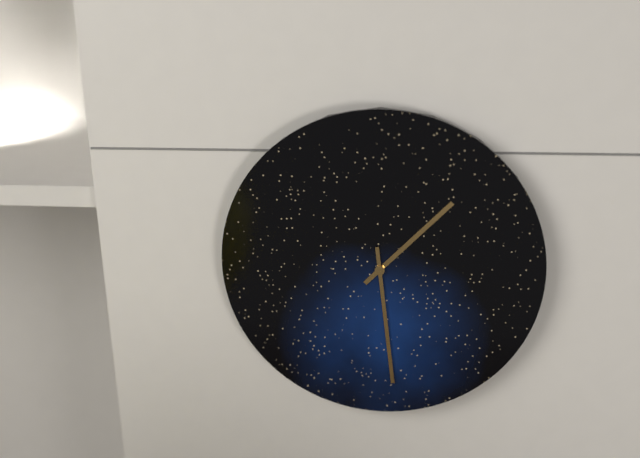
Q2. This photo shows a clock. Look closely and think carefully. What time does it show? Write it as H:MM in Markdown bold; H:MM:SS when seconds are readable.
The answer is **1:29**
